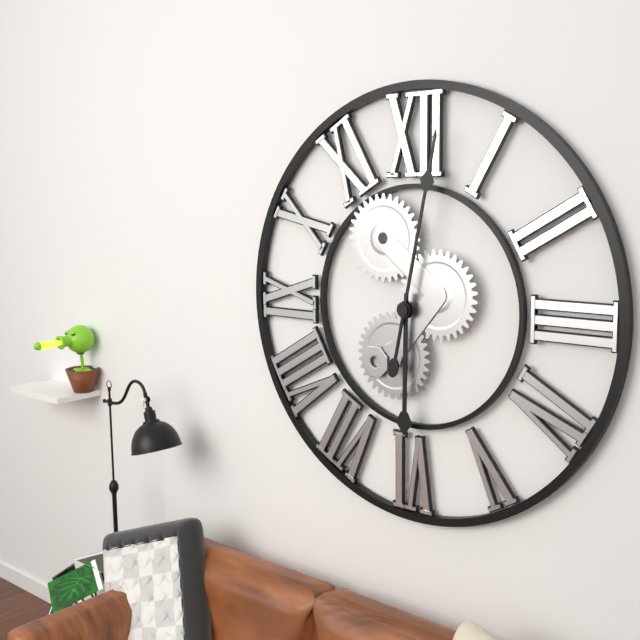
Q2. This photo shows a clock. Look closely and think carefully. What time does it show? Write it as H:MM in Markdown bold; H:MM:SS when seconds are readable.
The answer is **6:02**
